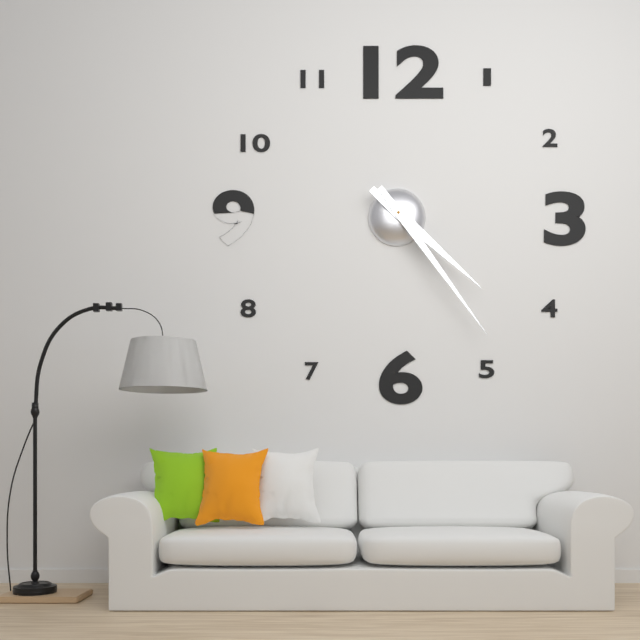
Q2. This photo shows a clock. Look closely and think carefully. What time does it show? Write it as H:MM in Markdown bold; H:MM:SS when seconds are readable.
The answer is **4:24**
